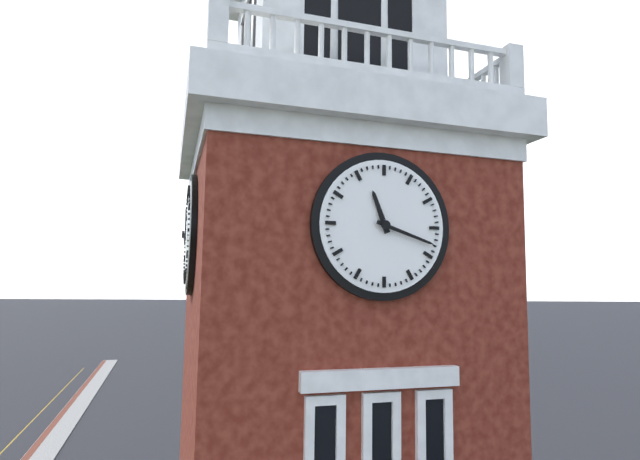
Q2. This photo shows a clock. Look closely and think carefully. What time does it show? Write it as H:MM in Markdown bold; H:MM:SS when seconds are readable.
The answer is **11:18**
